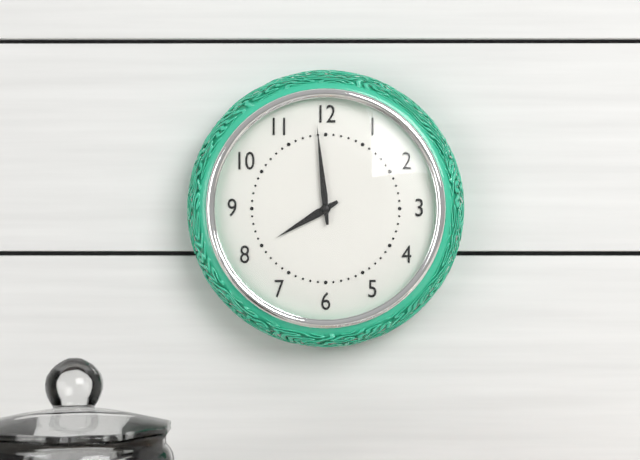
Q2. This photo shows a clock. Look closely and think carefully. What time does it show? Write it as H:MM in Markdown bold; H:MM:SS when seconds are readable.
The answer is **7:59**
